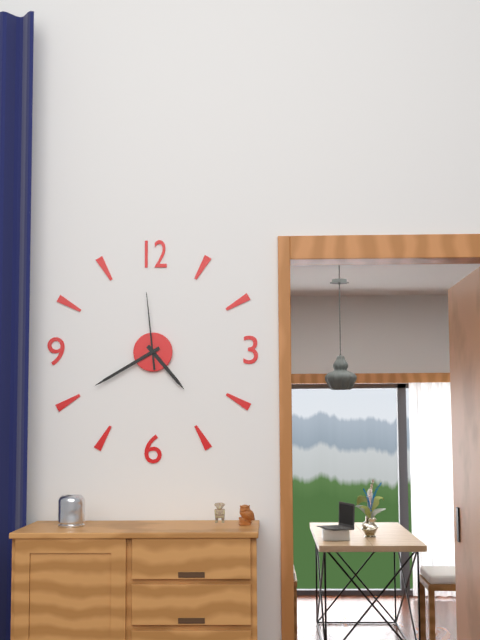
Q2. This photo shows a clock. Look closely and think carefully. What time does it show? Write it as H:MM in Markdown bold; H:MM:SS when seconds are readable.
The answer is **4:40:59**
